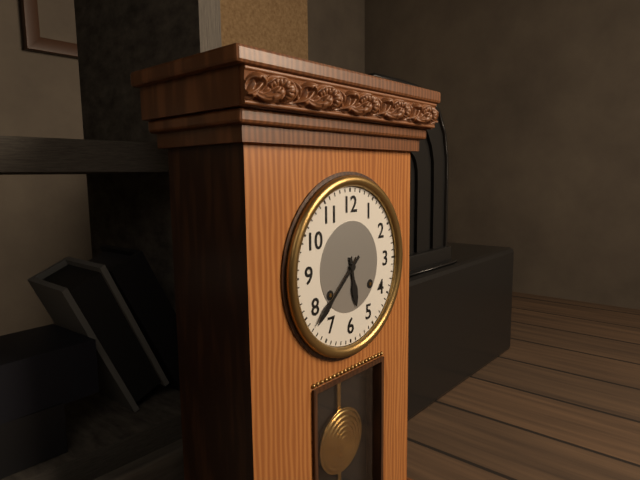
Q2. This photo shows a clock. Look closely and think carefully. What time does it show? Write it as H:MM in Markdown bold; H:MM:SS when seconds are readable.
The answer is **5:38**
